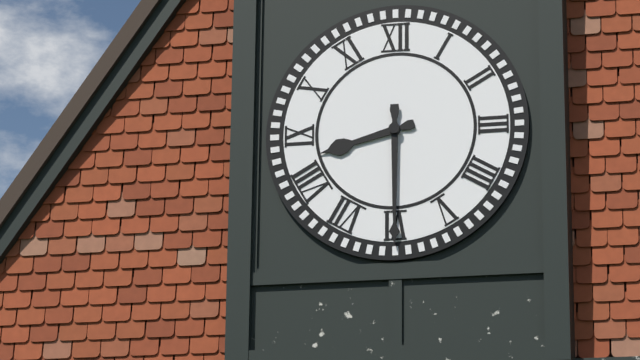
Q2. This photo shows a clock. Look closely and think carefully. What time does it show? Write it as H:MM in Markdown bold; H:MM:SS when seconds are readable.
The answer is **8:30**
